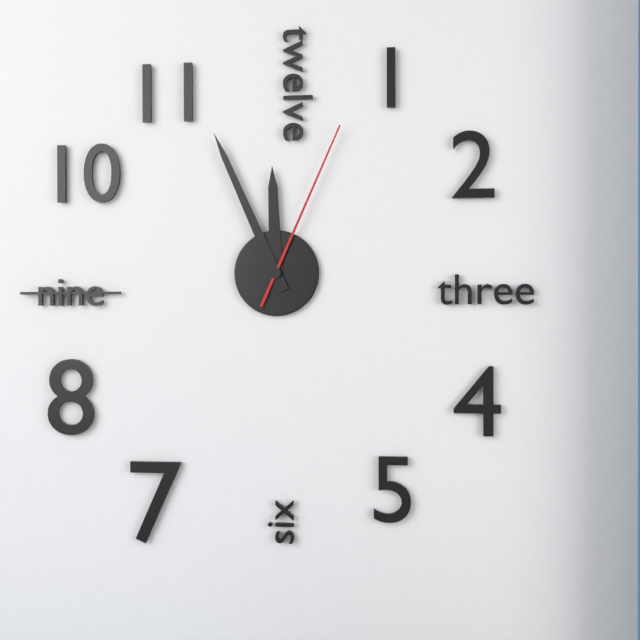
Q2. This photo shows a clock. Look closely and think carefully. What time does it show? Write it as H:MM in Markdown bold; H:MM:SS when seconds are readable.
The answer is **11:56:04**
